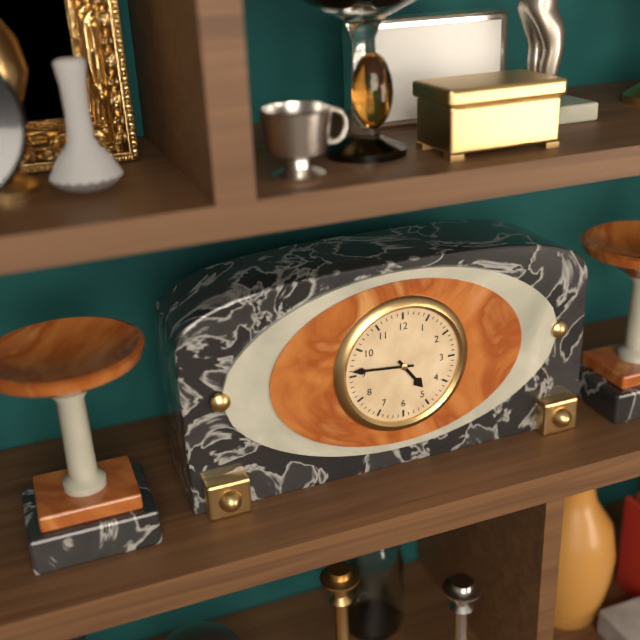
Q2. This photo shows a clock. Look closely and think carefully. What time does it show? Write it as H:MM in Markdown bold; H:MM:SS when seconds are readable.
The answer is **4:46**
